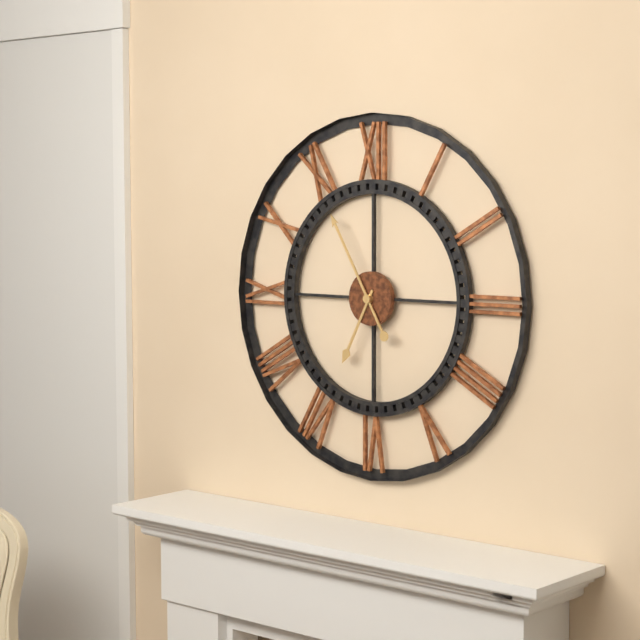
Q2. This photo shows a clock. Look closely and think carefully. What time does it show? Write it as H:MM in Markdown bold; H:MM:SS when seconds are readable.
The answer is **6:55**
